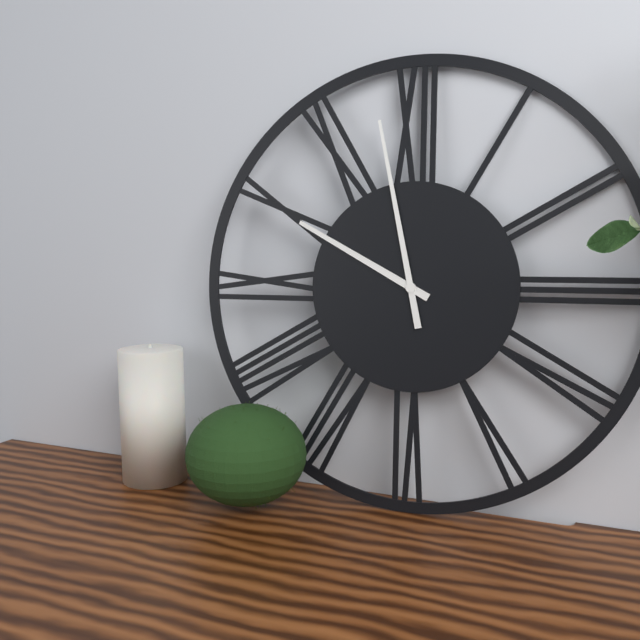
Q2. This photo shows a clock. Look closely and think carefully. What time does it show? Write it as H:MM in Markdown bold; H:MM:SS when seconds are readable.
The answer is **9:58**
